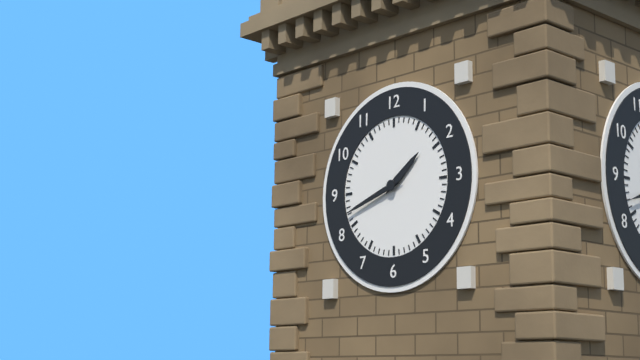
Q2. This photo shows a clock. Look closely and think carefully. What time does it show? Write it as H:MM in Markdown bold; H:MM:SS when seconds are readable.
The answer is **1:42**
